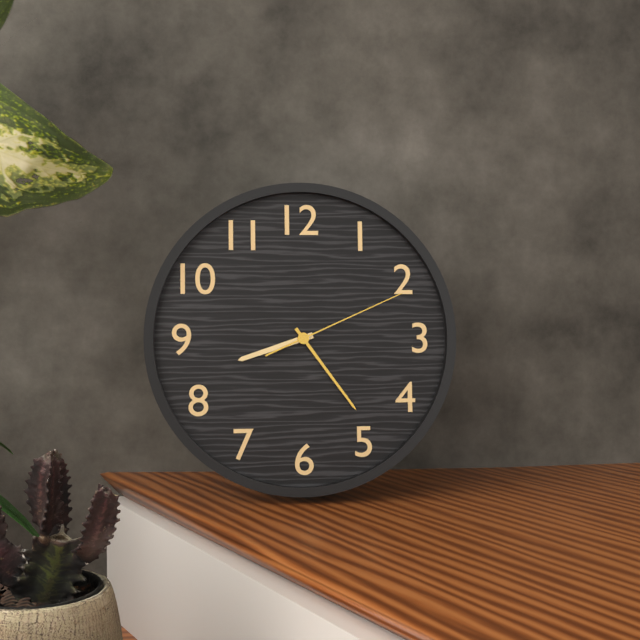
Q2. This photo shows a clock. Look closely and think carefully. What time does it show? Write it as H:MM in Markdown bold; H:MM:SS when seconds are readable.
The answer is **8:24:11**
